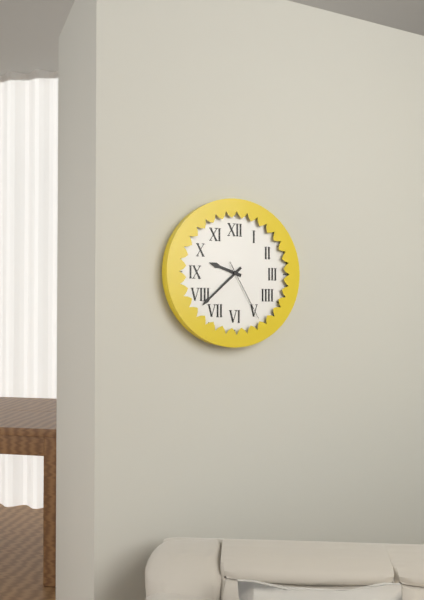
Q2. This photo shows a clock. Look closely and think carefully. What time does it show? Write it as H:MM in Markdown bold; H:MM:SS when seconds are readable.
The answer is **9:38:25**
